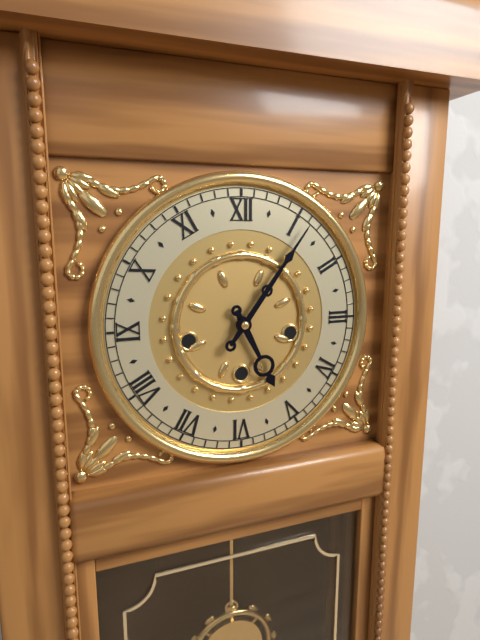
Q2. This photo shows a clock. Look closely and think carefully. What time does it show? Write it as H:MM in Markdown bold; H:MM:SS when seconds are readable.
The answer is **5:06**
